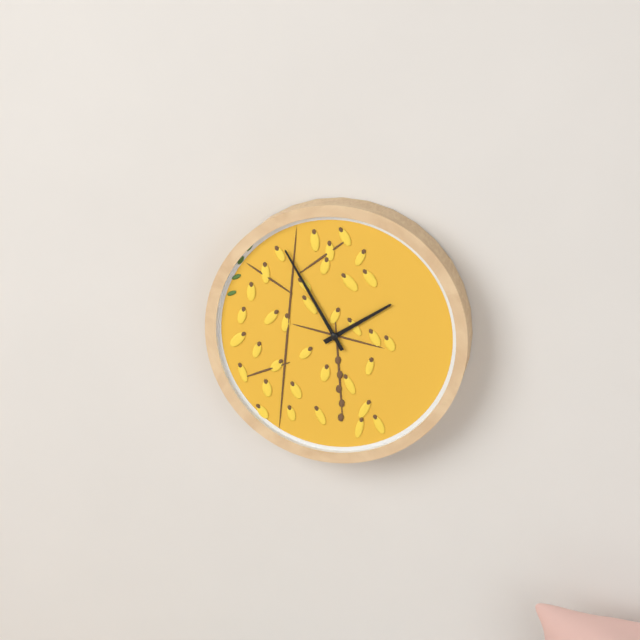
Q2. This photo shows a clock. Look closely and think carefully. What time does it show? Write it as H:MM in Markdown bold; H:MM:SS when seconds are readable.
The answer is **1:55**
